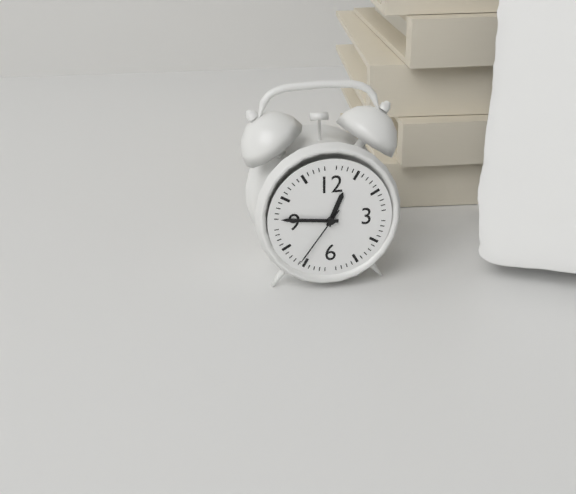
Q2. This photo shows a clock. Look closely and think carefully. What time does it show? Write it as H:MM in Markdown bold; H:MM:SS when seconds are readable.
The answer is **12:46:36**
